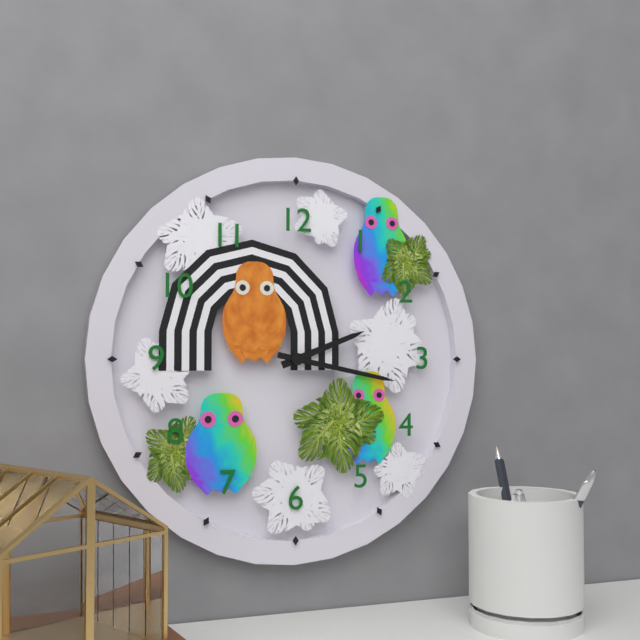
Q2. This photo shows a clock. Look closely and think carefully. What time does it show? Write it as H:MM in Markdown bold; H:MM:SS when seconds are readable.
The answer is **2:17**
